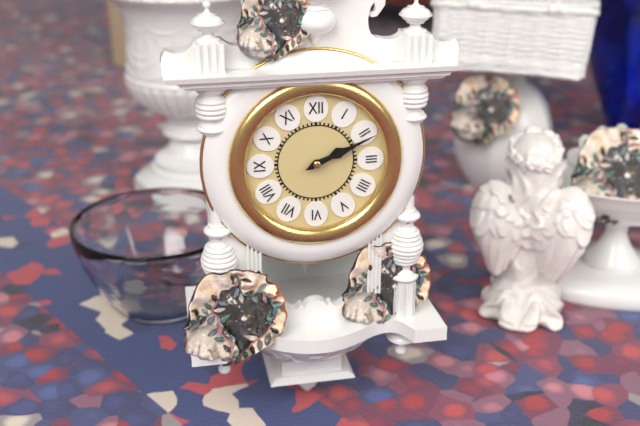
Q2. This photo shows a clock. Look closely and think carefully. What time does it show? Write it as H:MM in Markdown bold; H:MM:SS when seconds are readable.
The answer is **2:11**
